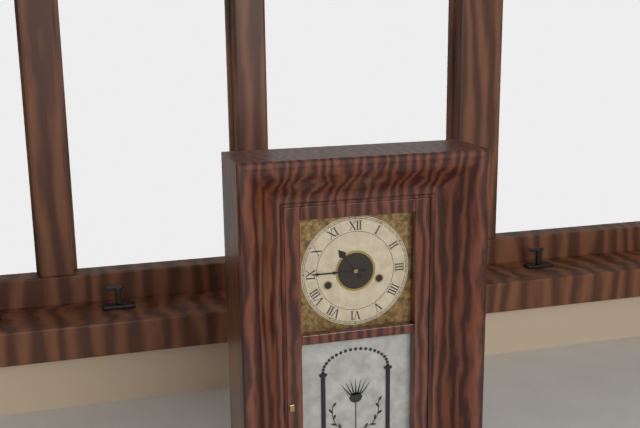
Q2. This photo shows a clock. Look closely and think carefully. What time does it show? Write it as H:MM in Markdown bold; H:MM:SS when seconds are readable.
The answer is **10:45**
